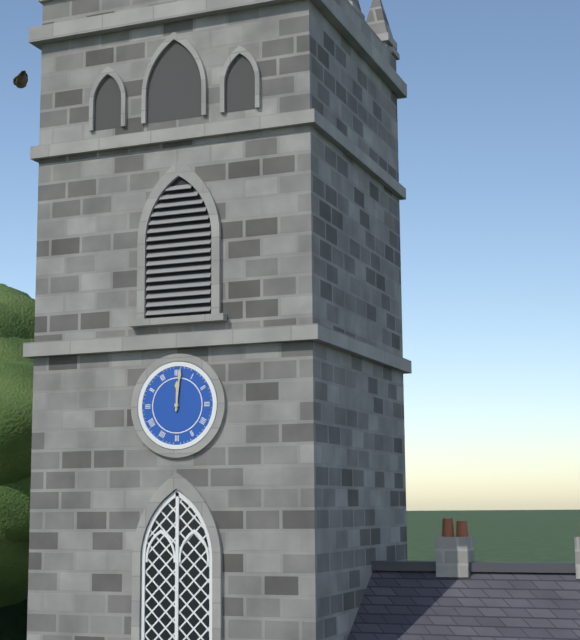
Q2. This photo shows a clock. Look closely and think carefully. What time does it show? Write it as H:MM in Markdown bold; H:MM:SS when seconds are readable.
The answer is **12:01**
